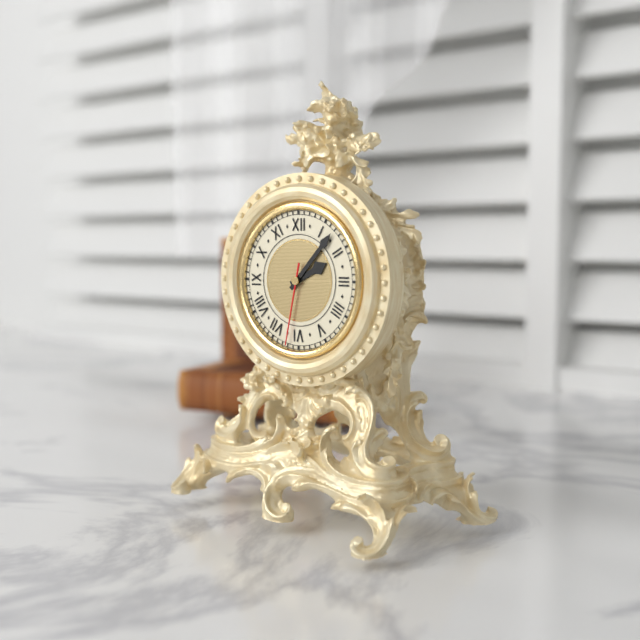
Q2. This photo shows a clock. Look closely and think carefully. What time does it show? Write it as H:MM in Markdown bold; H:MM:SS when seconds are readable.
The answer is **2:07:32**
